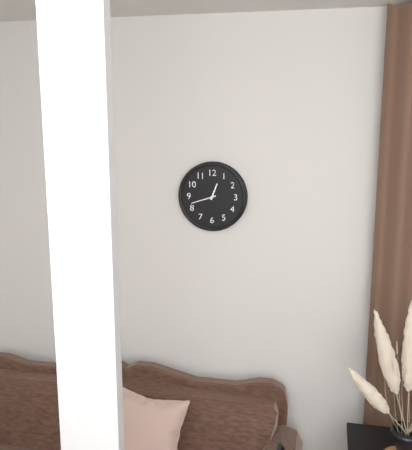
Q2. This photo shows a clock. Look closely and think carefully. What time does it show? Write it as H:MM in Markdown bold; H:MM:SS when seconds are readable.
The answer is **12:42**
